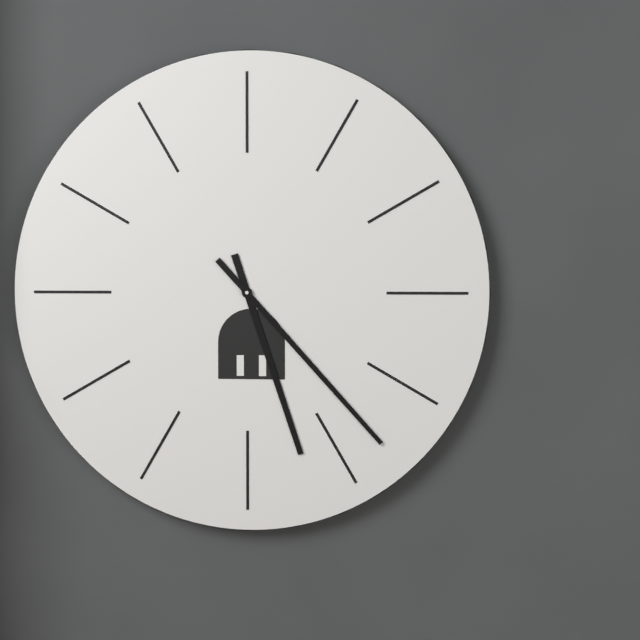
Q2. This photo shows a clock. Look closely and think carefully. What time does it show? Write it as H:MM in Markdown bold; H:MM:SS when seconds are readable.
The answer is **5:23**
